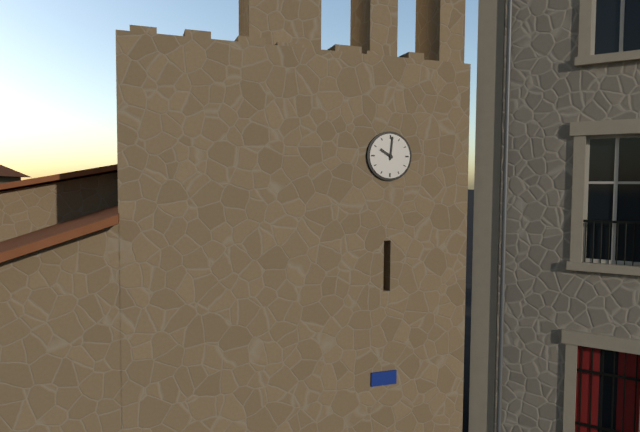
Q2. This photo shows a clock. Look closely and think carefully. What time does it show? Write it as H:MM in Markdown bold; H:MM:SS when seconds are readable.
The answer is **10:01**
